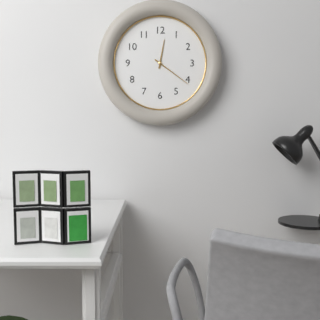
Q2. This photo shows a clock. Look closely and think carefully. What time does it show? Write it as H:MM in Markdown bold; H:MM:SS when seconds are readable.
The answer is **12:21**
